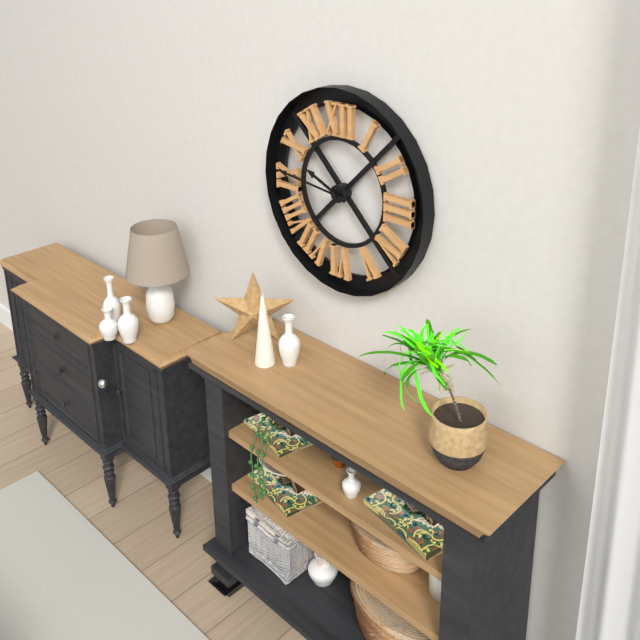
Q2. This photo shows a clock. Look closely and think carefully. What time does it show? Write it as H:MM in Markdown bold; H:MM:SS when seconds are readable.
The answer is **9:46**
